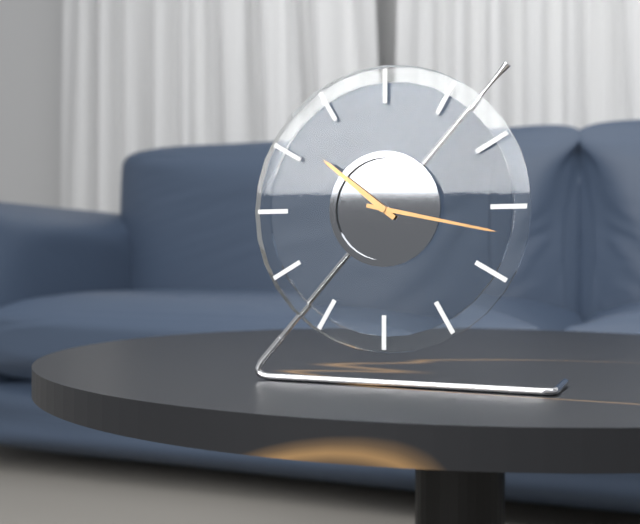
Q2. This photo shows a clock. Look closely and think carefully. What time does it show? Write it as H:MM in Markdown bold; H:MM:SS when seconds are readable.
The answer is **10:17**
